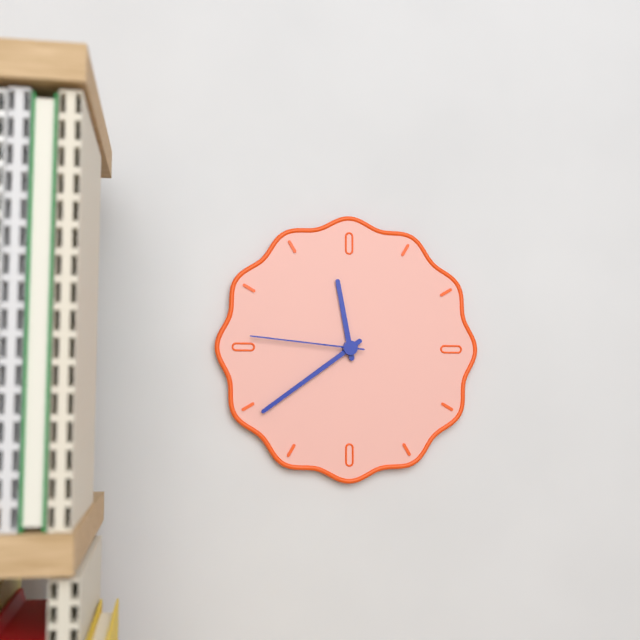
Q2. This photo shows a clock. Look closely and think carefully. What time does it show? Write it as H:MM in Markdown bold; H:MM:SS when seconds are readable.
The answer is **11:39:46**
